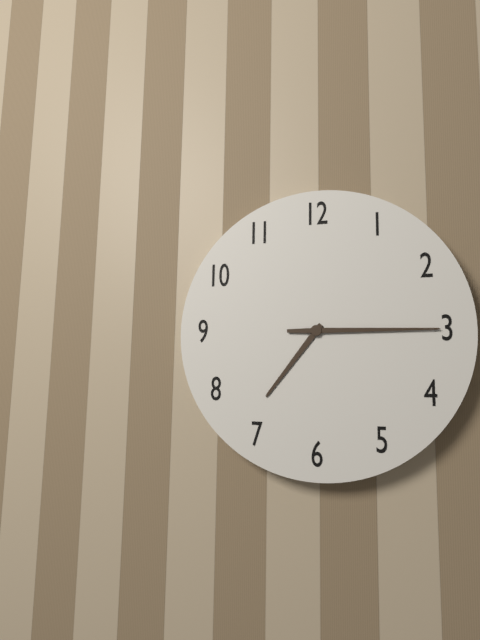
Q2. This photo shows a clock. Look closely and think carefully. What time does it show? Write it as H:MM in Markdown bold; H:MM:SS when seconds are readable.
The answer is **7:15**
